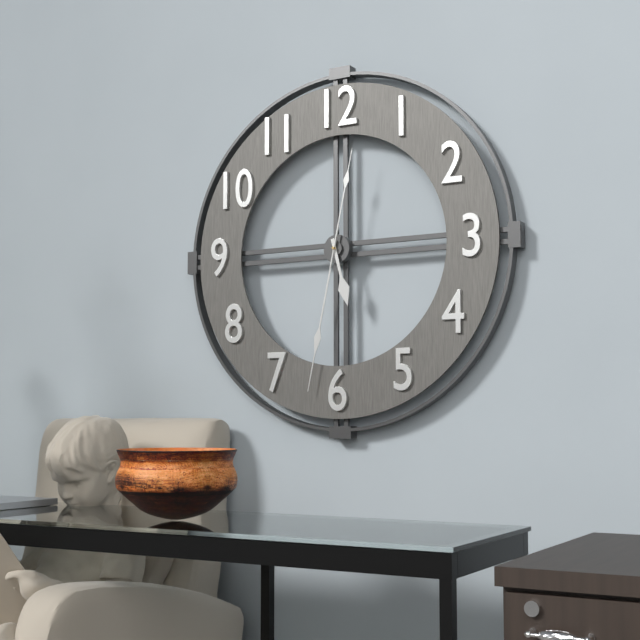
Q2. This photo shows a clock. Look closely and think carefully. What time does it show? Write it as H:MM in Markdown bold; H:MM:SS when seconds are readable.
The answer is **5:32:02**
